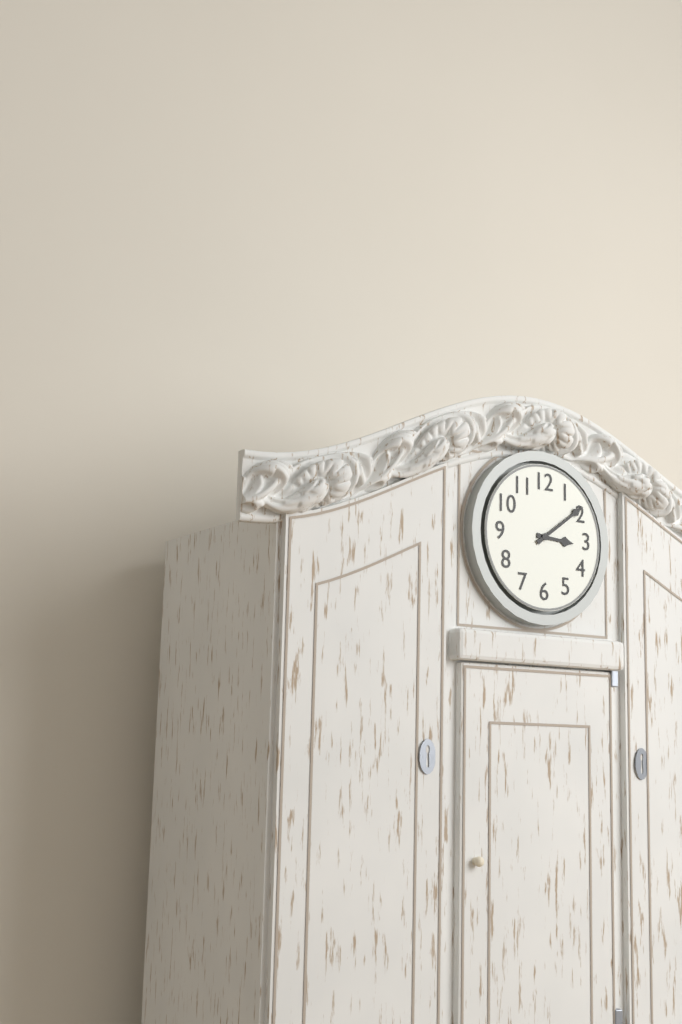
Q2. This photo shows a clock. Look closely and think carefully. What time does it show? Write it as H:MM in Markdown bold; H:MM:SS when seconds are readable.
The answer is **3:09**
